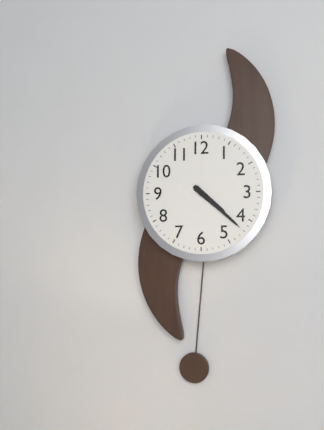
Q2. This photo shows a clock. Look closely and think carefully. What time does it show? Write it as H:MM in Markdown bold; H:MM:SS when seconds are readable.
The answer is **4:22**
